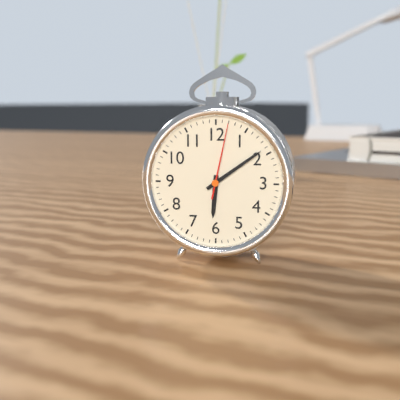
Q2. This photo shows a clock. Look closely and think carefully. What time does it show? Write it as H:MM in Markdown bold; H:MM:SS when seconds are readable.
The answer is **6:09:02**
